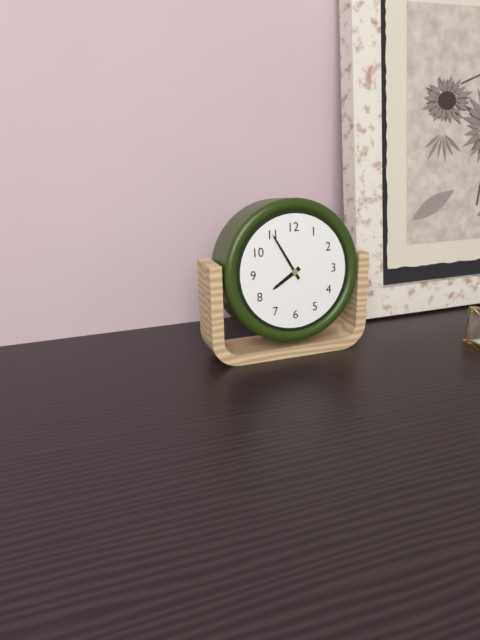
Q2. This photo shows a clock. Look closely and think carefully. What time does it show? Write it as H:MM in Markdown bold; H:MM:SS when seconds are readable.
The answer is **7:55**
